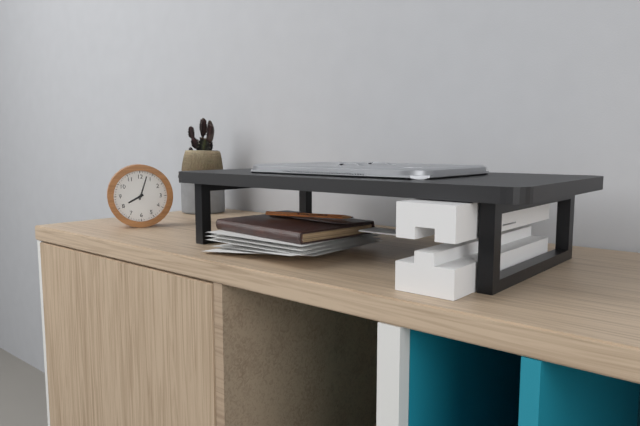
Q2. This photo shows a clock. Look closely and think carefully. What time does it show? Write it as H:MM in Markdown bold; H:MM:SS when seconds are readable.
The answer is **8:03**
